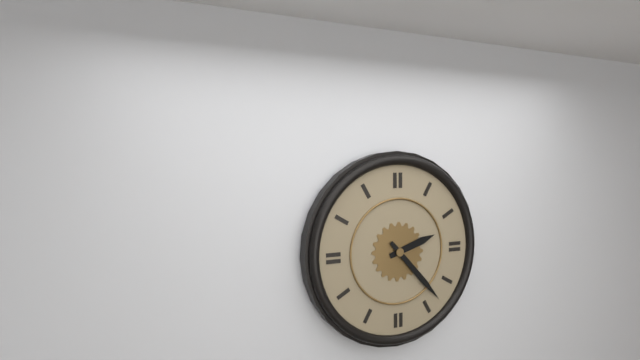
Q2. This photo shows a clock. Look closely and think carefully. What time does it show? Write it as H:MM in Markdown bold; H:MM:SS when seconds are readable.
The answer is **2:23**
